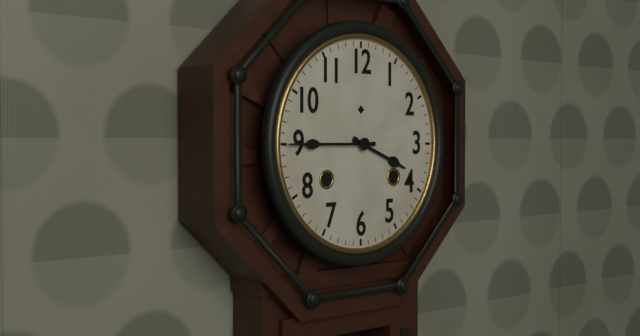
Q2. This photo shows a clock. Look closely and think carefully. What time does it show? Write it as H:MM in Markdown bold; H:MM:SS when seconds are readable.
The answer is **3:45**
